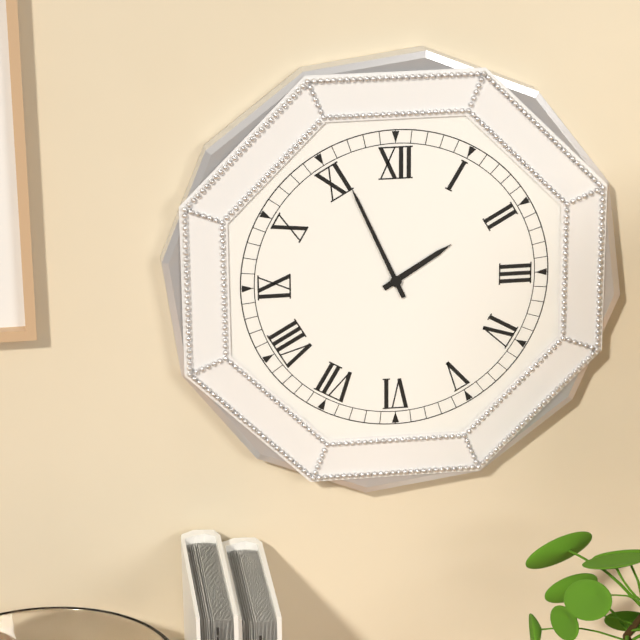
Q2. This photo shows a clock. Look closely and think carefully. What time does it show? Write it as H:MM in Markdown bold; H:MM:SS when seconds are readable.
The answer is **1:56**
